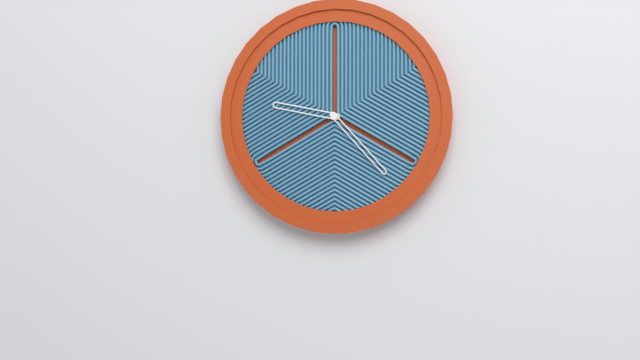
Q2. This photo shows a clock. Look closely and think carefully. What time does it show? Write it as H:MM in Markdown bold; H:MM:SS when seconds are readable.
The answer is **9:23**
